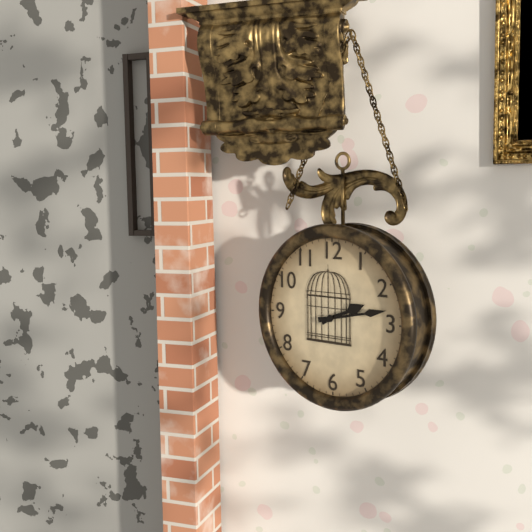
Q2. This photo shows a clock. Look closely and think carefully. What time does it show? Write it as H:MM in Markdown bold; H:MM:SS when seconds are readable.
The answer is **2:13**
